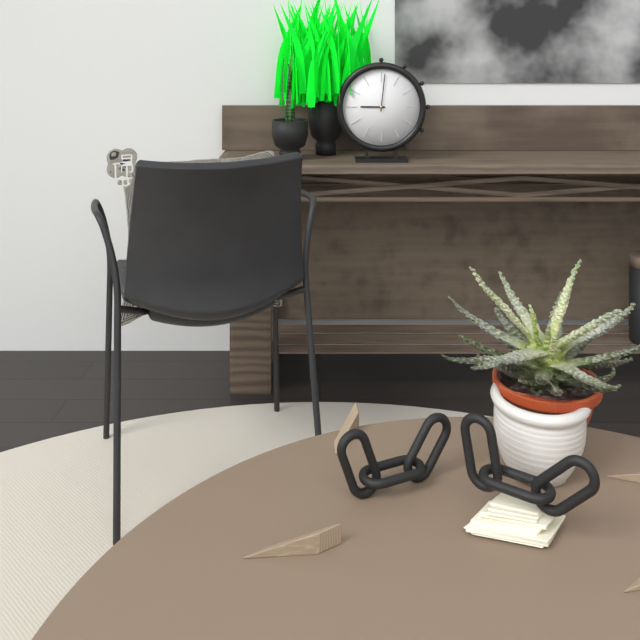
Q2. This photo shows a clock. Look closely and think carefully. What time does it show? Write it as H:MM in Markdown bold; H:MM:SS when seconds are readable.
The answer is **9:01**
